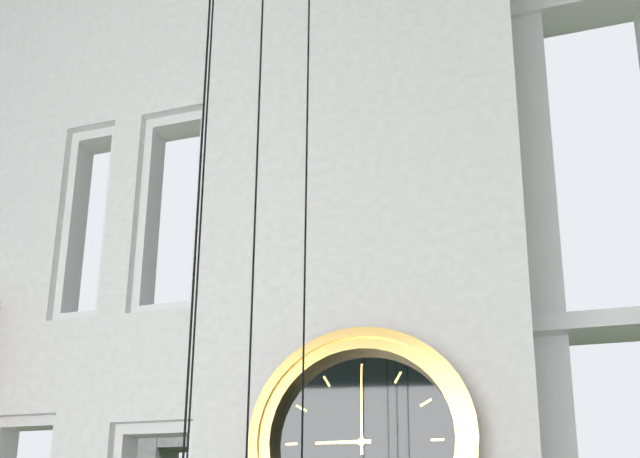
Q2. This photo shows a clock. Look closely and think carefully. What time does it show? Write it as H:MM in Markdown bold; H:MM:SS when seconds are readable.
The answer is **9:00**
